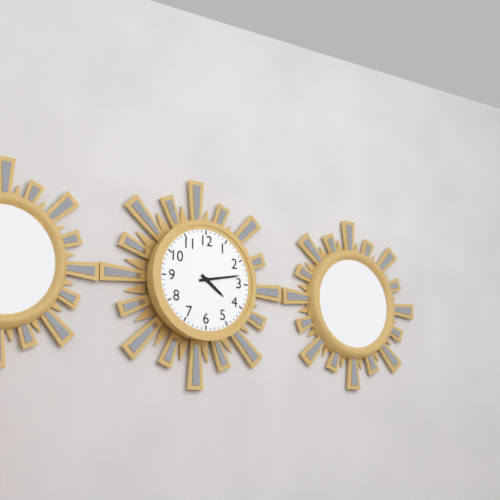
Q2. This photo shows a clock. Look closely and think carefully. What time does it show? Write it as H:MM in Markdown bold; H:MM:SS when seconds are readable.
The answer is **4:13**
